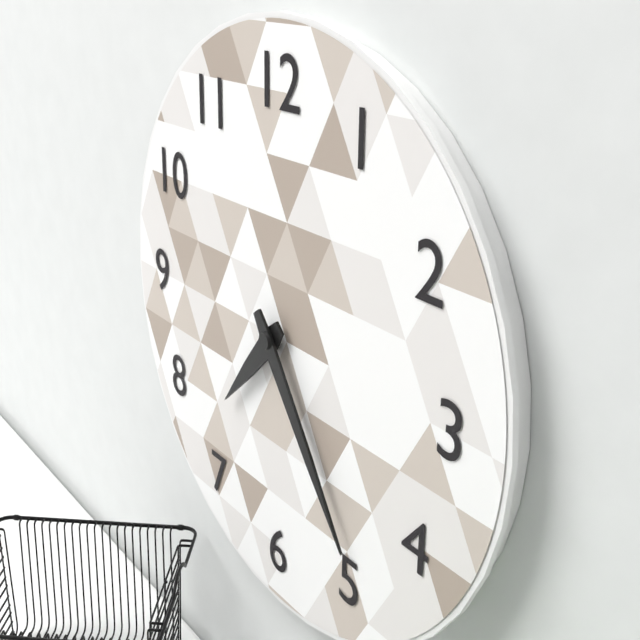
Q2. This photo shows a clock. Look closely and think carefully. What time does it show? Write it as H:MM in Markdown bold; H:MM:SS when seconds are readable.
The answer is **7:24**
